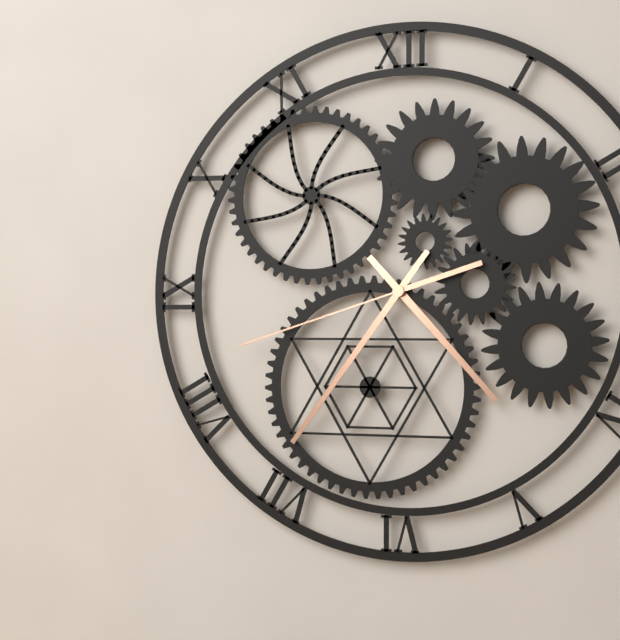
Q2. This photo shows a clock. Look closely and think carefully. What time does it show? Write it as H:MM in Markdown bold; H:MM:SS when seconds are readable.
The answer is **4:36:42**
